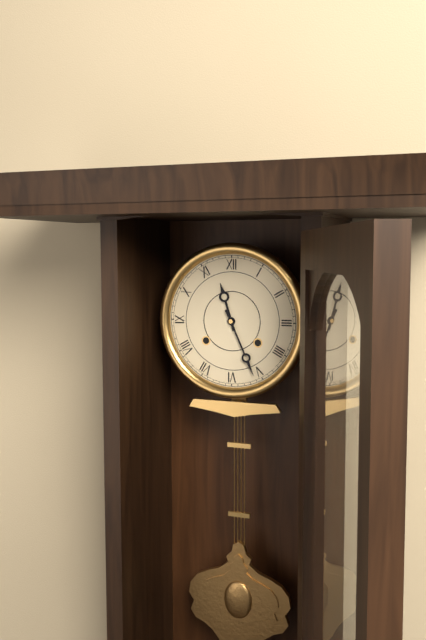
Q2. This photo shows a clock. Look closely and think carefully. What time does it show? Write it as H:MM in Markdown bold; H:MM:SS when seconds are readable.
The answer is **11:26**
